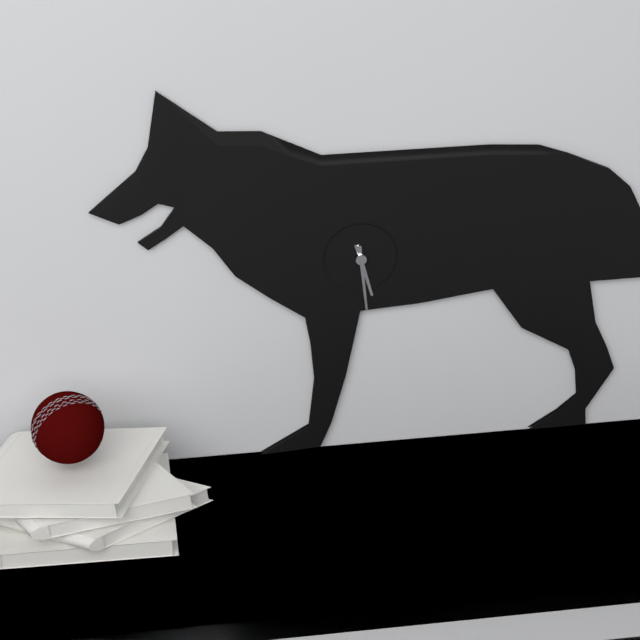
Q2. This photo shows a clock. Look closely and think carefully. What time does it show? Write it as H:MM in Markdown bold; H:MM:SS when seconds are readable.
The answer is **5:29**
